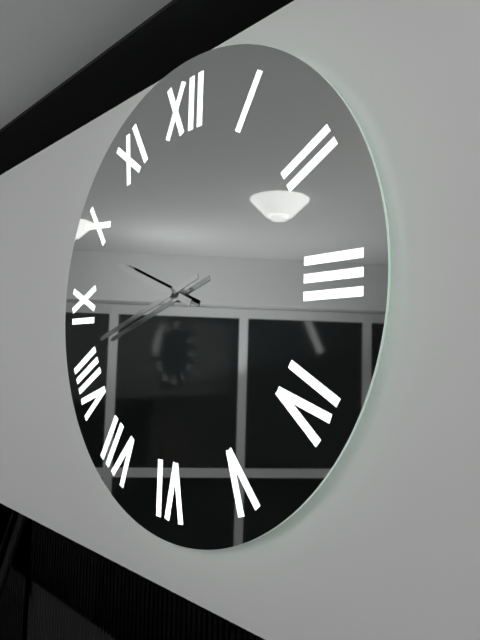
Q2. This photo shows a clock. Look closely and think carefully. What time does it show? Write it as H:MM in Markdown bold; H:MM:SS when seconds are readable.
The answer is **9:42**
